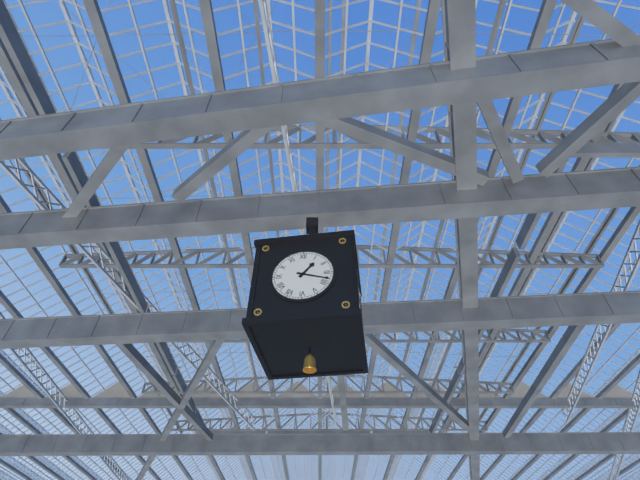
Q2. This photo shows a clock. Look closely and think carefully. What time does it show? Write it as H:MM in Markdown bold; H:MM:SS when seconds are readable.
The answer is **1:18**
